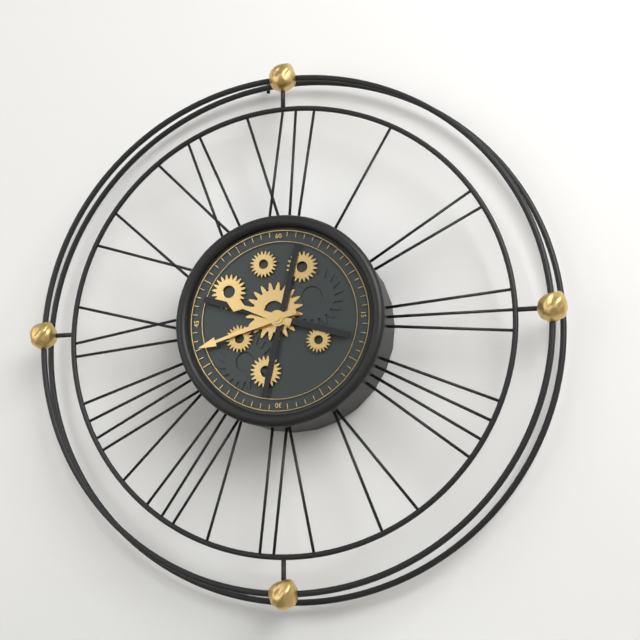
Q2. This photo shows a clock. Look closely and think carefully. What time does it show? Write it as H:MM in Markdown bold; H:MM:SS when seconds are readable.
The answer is **9:42**
